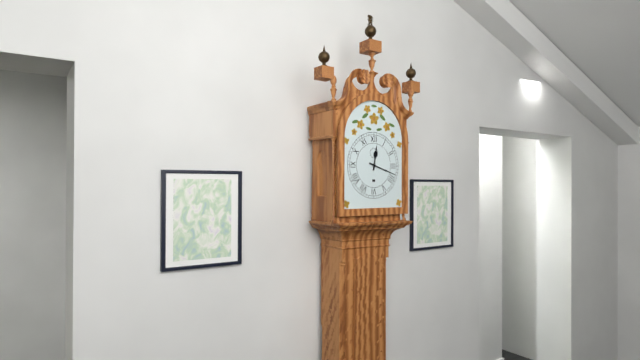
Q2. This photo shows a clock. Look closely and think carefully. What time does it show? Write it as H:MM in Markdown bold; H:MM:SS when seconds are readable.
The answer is **12:18**
